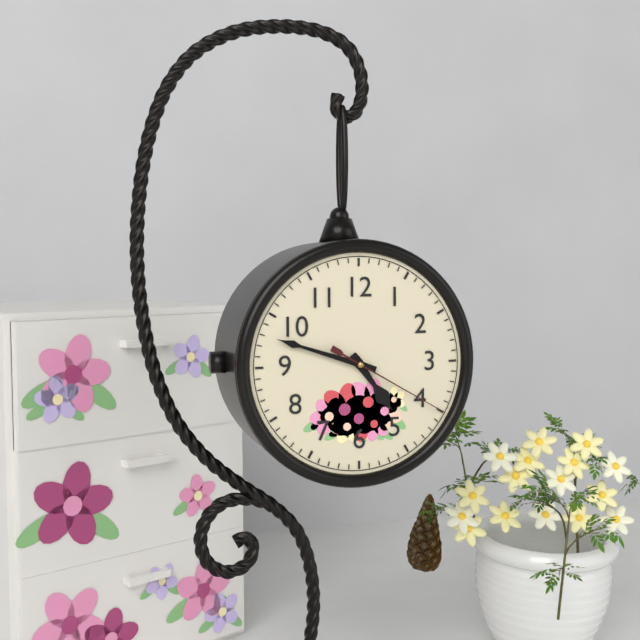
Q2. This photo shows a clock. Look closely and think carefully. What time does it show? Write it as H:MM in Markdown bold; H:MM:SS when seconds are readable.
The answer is **4:48:20**
